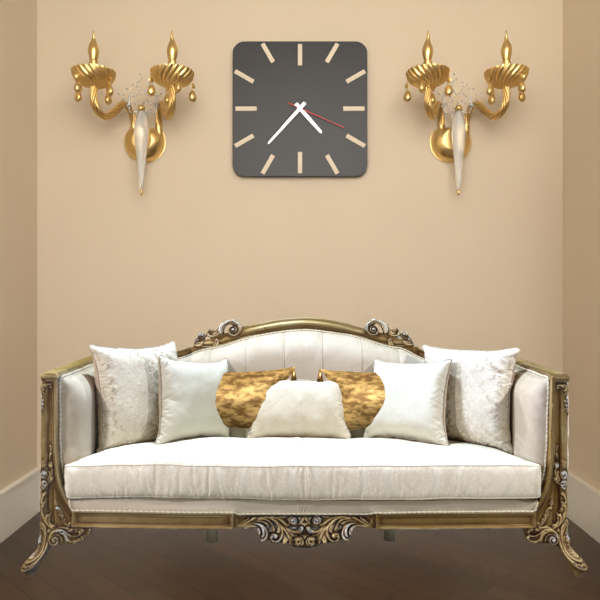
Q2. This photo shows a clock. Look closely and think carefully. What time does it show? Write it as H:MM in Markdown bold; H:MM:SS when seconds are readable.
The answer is **4:37:19**
